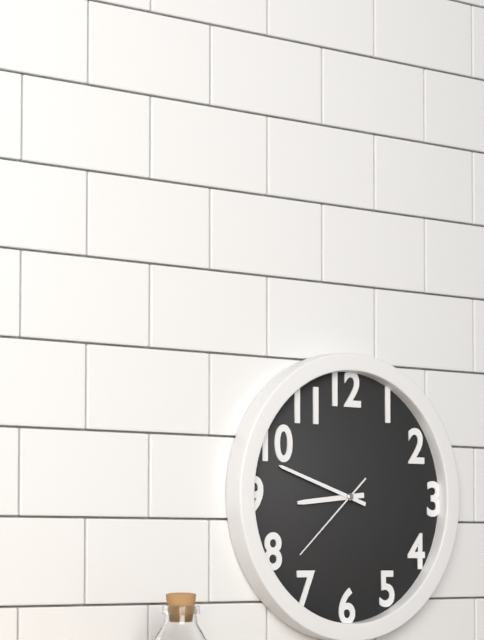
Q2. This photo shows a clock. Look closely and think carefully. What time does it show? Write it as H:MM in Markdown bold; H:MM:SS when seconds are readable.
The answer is **8:48:38**
